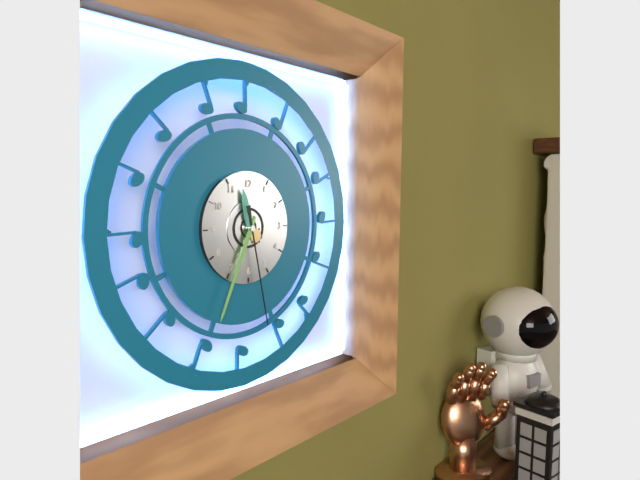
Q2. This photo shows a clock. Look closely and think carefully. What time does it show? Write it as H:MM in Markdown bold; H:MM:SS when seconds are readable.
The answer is **11:34:28**
